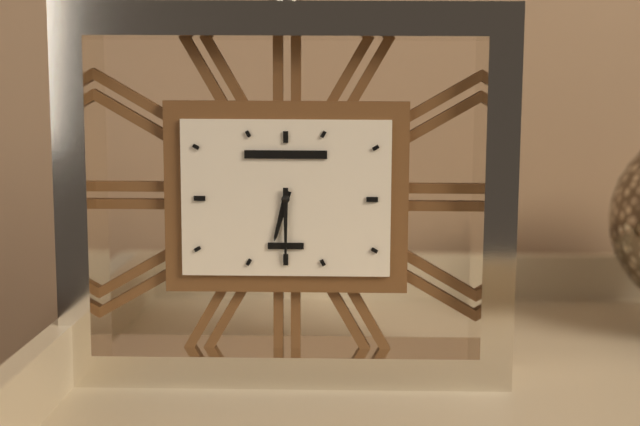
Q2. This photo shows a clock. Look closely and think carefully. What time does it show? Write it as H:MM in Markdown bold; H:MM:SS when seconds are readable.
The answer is **6:30**
